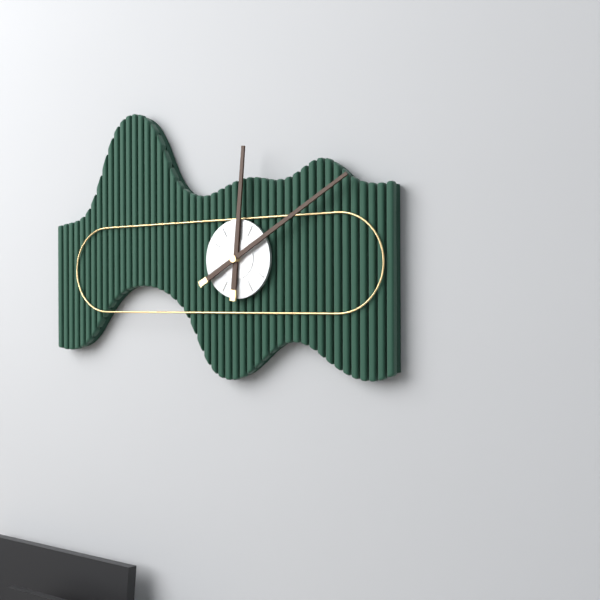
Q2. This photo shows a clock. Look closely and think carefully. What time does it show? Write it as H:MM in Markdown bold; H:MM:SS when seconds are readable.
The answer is **12:10**
